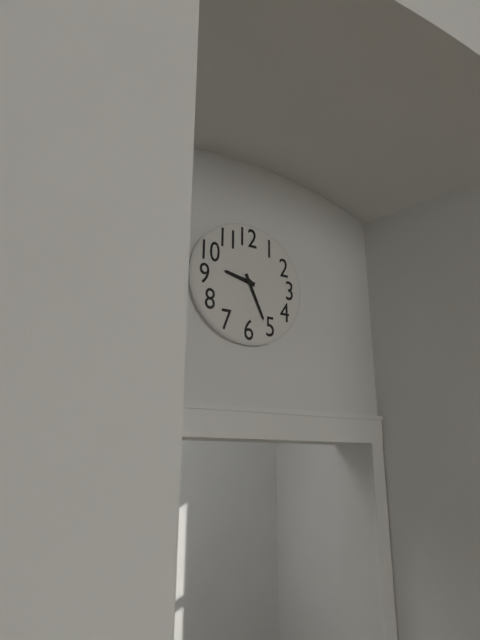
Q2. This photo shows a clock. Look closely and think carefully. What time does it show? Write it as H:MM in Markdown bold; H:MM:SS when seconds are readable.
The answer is **9:26**
